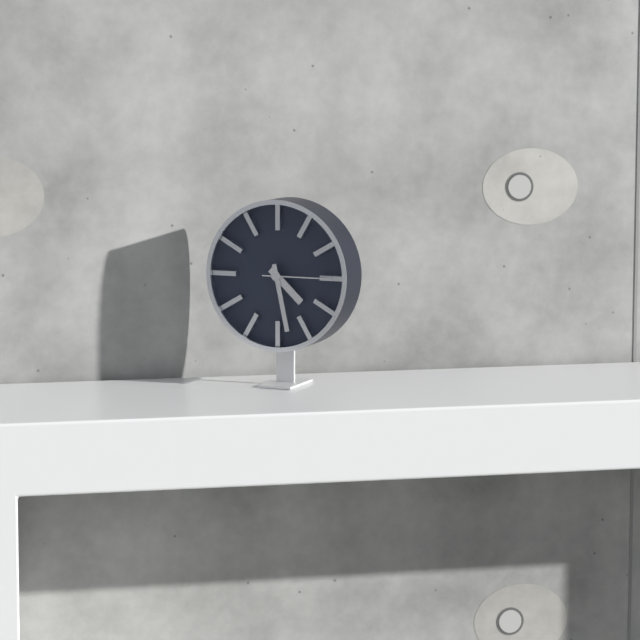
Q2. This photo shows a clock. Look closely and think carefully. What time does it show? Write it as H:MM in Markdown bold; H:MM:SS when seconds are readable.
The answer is **4:28:15**
